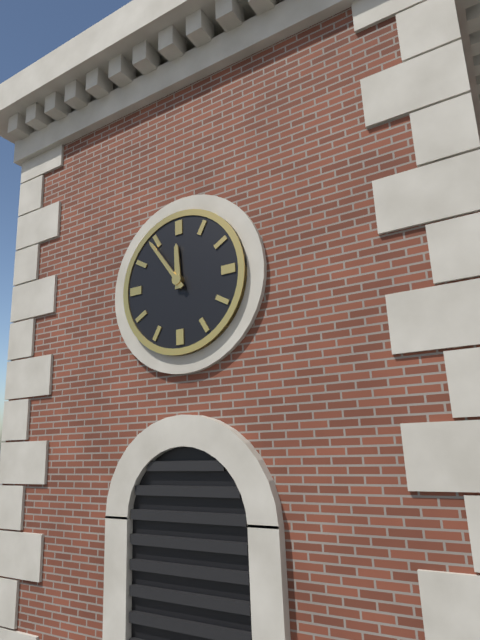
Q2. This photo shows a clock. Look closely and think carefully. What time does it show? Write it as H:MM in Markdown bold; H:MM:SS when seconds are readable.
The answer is **11:54**
